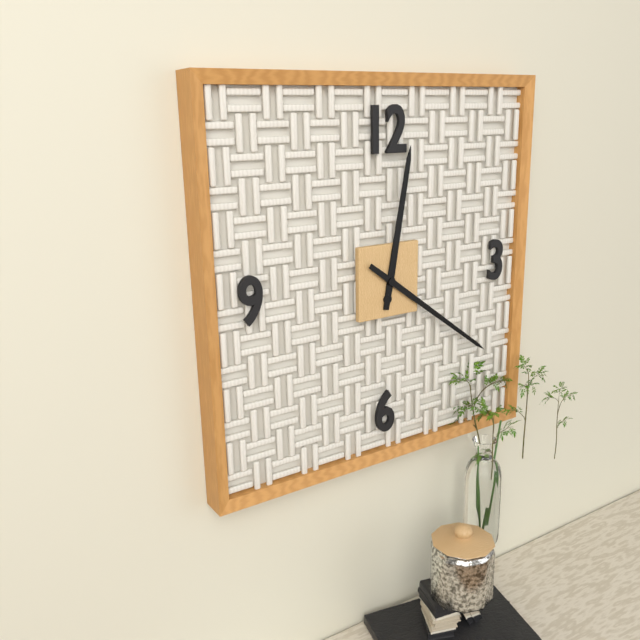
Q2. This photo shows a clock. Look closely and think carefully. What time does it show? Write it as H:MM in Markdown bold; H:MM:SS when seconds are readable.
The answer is **12:21**
